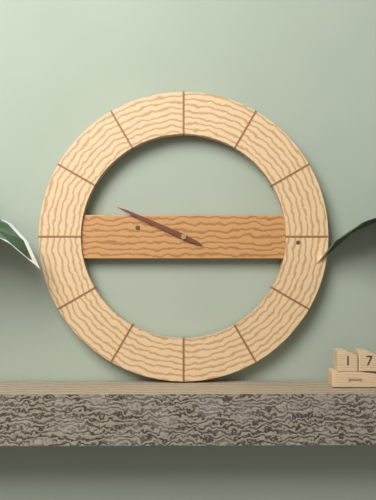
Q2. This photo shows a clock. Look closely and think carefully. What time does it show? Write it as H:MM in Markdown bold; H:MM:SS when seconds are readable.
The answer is **9:49**
